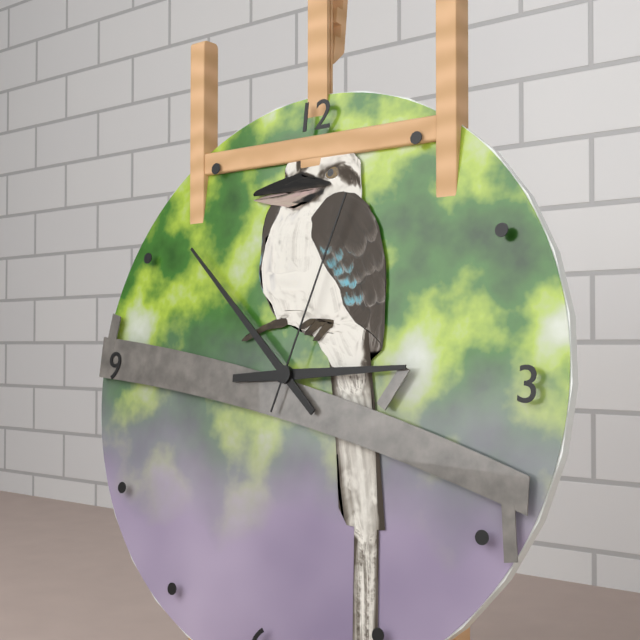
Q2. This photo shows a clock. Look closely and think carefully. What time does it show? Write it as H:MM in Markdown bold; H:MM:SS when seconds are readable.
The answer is **2:52:03**
